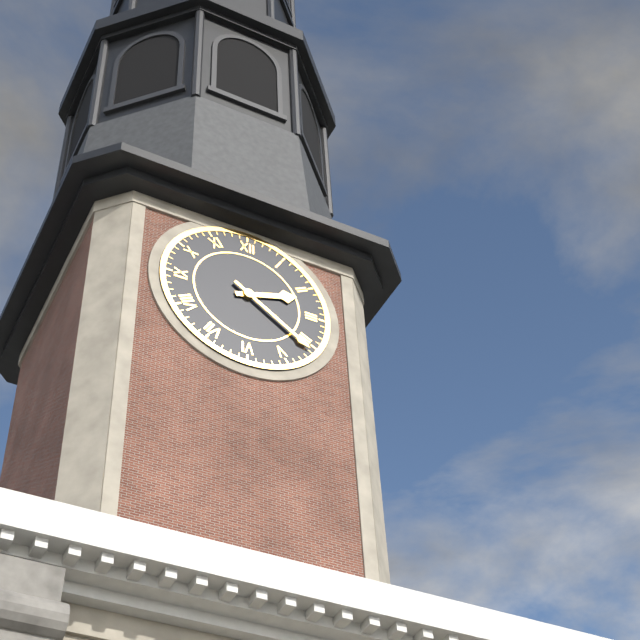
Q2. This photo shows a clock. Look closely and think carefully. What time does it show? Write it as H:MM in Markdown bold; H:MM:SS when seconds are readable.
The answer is **2:21**
